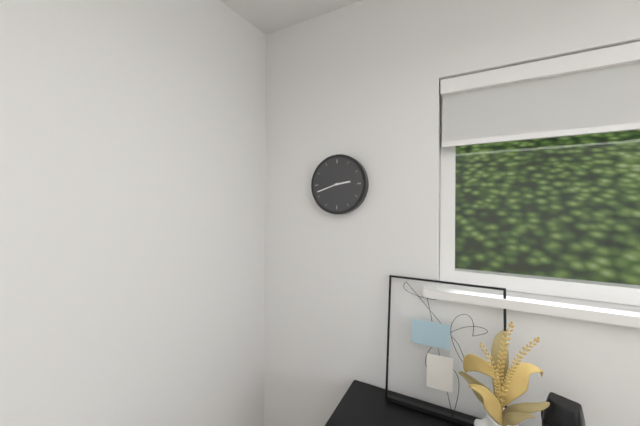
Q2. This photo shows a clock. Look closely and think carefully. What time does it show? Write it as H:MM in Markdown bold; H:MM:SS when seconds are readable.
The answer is **2:42**
